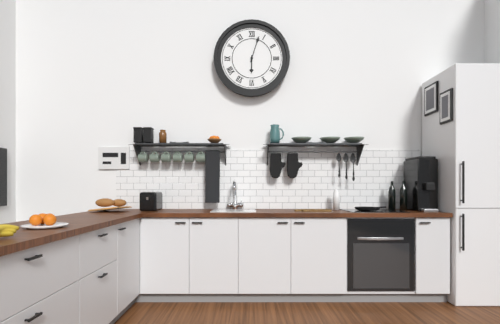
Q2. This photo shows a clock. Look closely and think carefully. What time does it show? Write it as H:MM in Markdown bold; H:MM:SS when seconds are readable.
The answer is **6:03**
